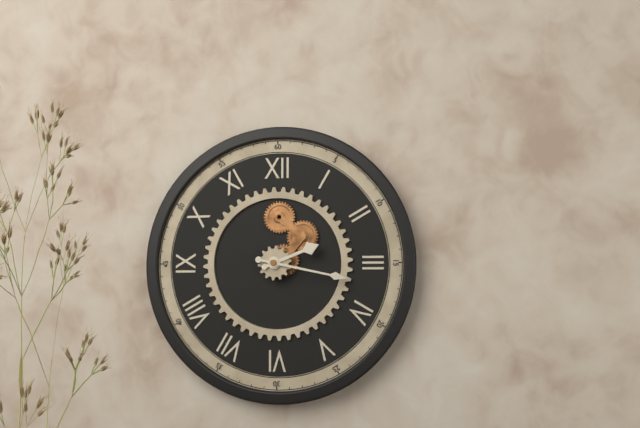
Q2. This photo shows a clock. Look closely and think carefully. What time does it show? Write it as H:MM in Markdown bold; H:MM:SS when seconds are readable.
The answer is **2:17**
